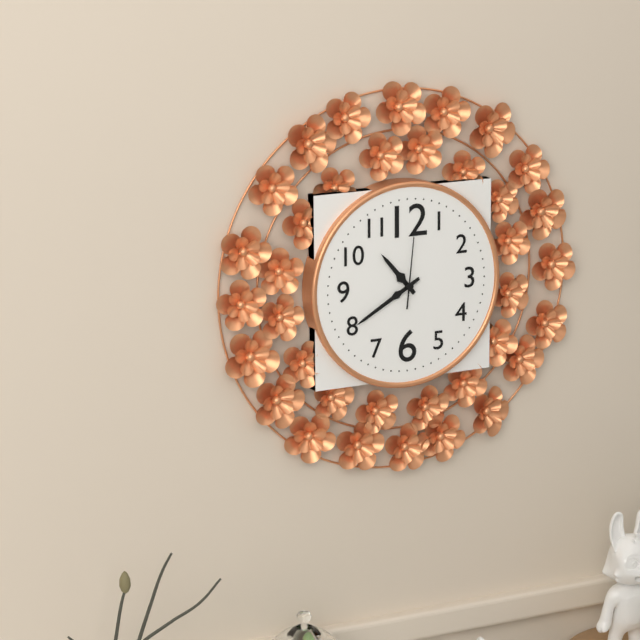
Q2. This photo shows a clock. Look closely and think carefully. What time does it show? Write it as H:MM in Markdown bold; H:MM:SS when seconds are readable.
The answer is **10:40:01**
